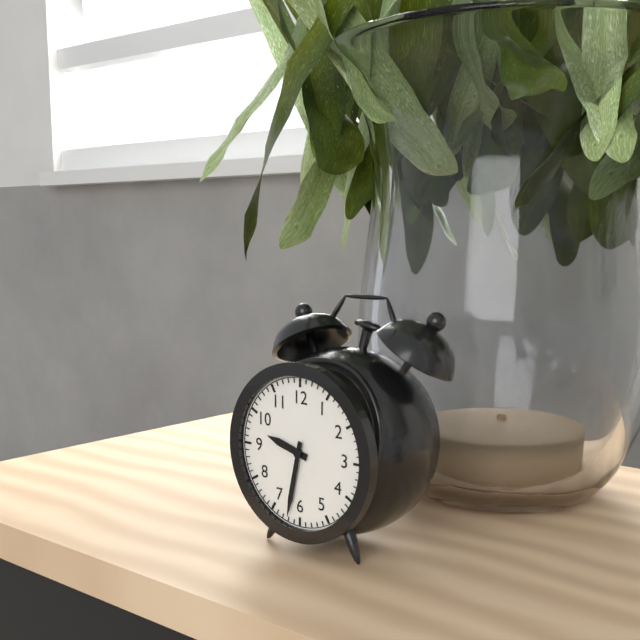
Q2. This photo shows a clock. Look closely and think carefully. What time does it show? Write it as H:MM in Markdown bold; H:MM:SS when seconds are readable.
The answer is **9:32**
